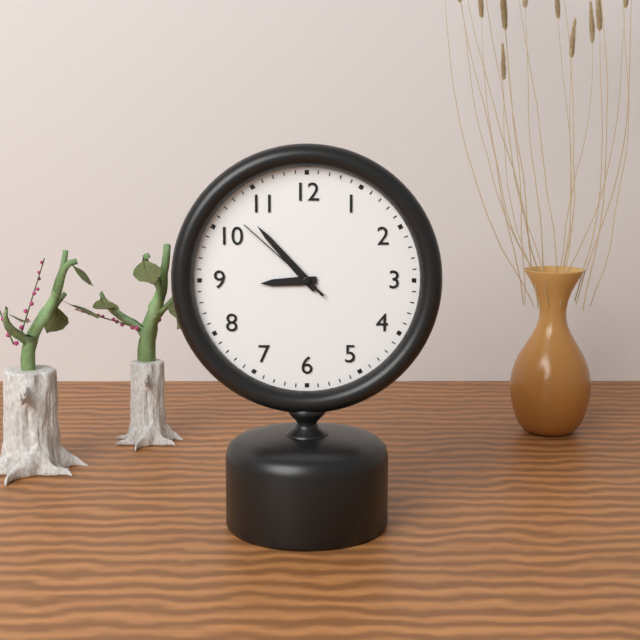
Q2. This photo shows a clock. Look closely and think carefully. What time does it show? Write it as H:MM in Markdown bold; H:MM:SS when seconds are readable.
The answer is **8:53:52**
